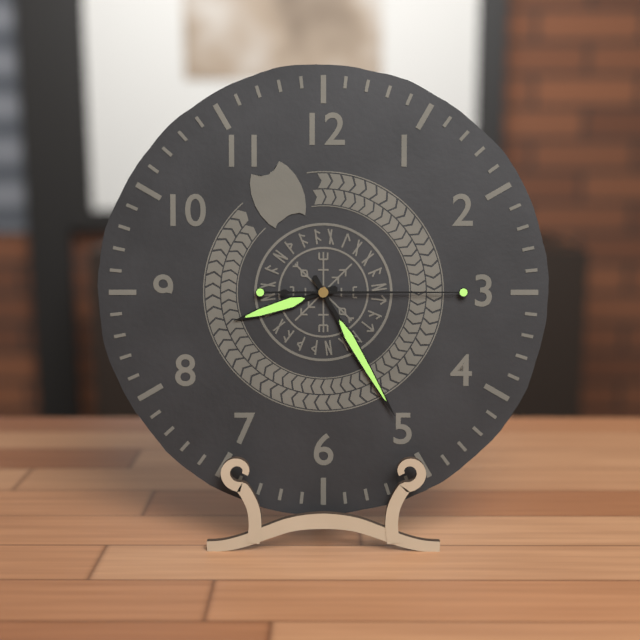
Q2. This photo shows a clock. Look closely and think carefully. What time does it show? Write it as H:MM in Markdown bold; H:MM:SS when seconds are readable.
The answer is **8:25:15**
